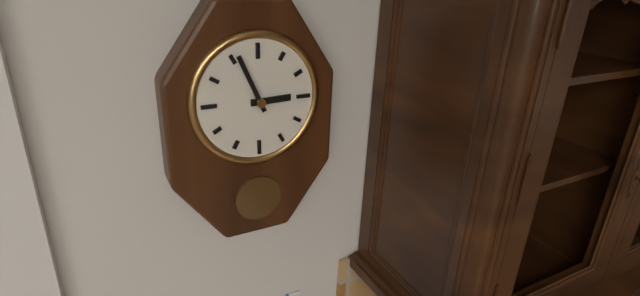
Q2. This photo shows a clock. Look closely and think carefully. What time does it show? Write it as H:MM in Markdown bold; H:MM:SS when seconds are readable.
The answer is **2:56**
